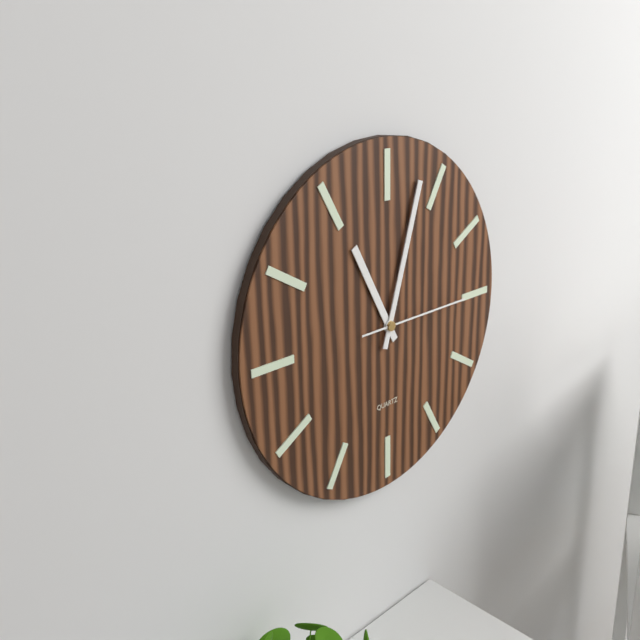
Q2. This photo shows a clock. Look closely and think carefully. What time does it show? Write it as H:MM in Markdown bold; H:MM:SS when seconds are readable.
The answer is **11:03:15**
